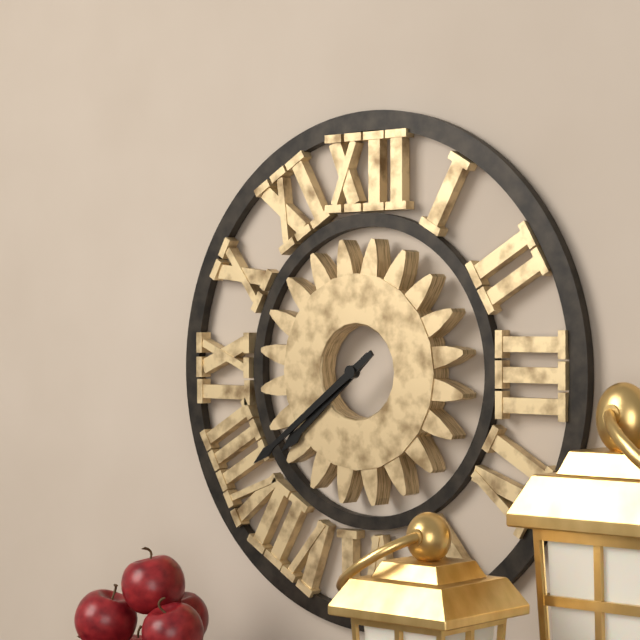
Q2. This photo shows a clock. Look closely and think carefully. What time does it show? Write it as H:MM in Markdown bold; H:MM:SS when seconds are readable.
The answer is **7:39**
